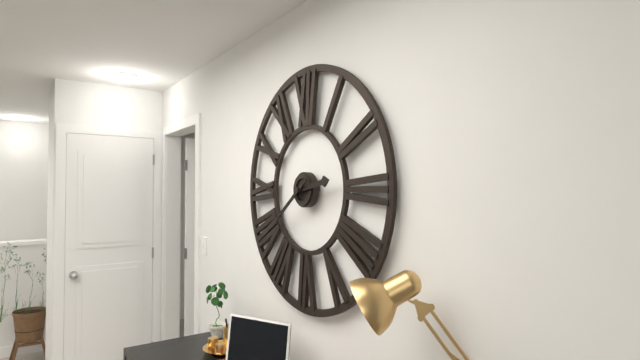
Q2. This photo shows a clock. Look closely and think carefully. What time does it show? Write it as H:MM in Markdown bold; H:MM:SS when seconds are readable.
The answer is **2:39**
